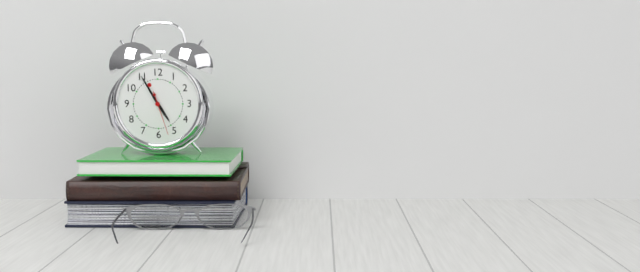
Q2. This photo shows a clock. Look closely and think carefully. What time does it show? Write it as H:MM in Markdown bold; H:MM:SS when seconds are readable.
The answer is **4:55**
